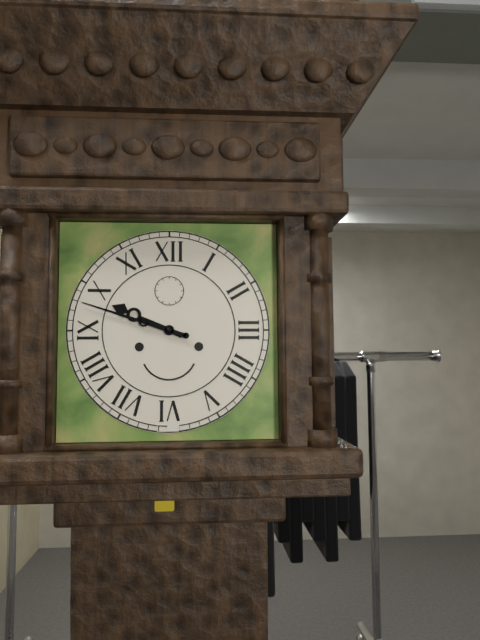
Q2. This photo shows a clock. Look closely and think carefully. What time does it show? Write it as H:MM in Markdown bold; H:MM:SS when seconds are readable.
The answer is **9:48**
